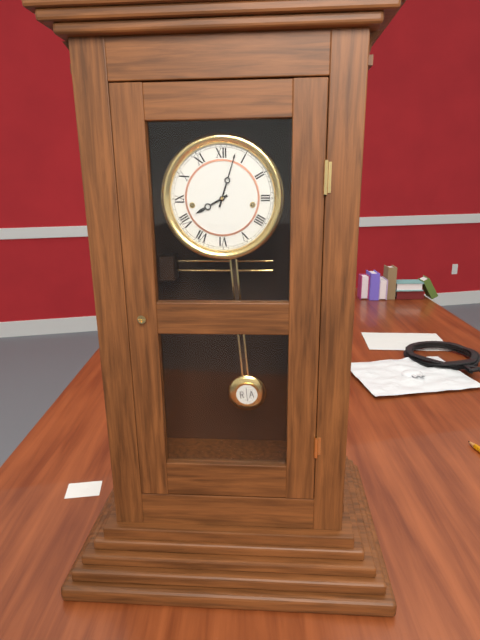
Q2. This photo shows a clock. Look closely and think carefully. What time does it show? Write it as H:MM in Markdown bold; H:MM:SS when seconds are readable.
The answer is **8:03**
